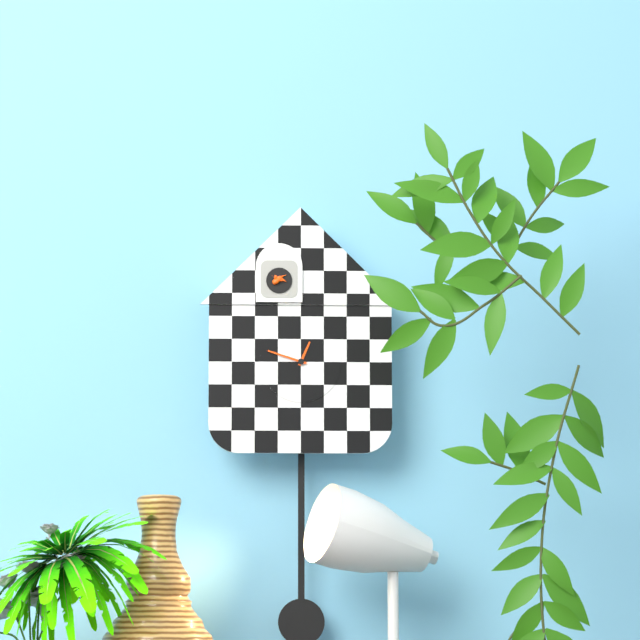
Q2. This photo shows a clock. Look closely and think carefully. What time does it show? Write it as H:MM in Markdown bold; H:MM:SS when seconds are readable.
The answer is **12:48**
